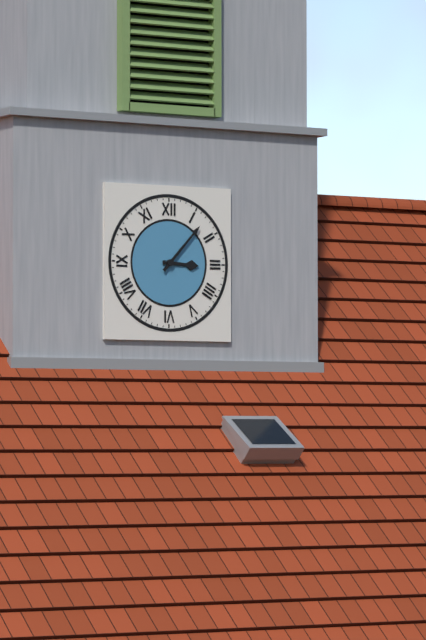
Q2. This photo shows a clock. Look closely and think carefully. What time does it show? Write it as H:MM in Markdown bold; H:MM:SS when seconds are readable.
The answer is **3:07**
